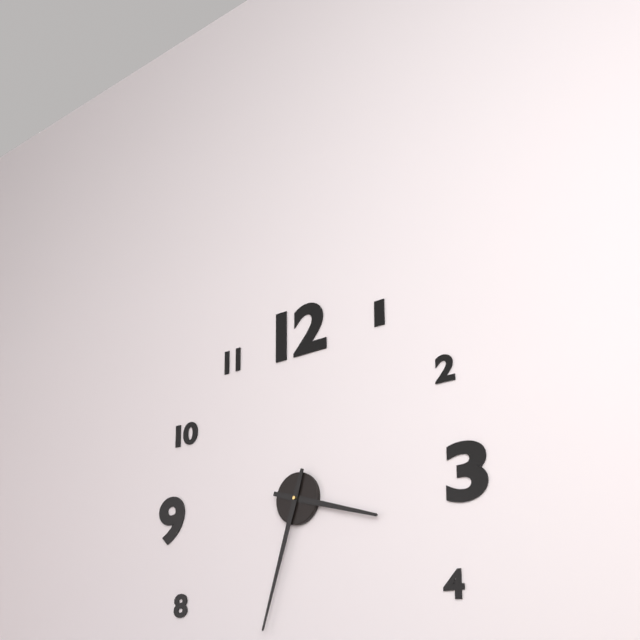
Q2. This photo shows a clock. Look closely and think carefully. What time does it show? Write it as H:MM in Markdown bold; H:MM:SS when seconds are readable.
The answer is **3:33**
